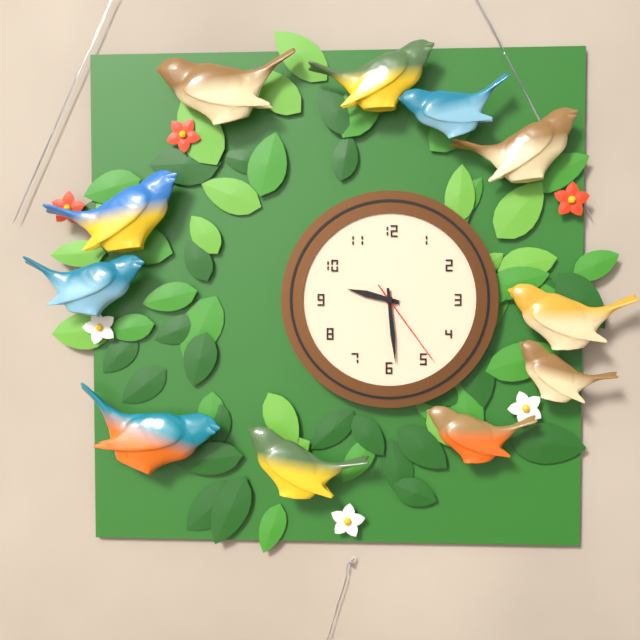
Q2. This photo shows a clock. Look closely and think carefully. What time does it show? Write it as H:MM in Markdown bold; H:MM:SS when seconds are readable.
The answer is **9:29:24**
